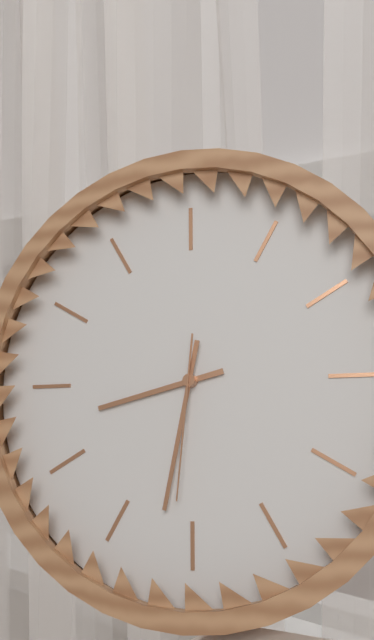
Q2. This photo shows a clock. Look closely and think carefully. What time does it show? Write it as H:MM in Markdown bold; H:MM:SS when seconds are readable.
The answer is **8:32:31**
